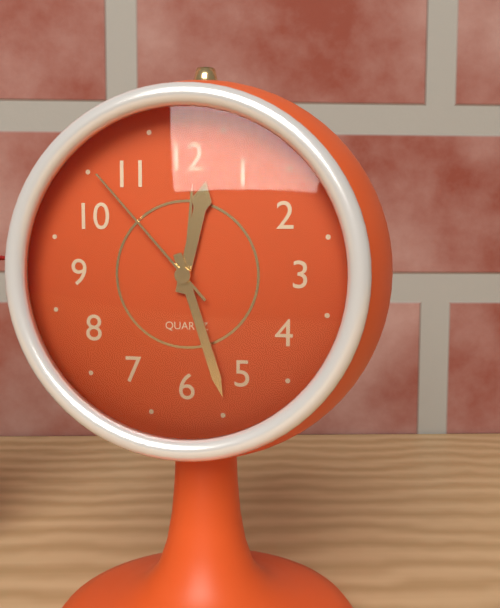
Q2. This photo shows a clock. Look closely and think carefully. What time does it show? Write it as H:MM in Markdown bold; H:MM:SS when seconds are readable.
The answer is **12:27:53**
